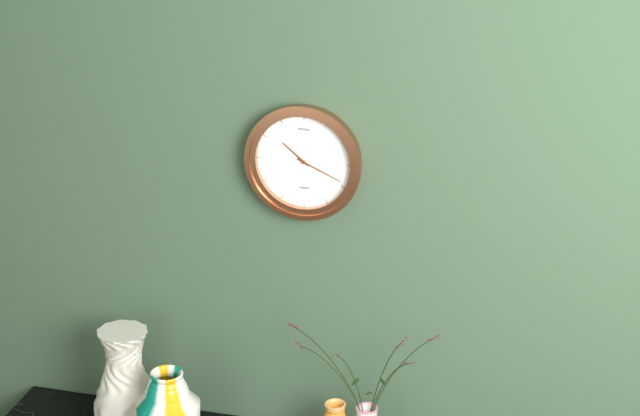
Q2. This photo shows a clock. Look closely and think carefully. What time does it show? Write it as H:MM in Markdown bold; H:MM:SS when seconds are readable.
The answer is **10:19**
